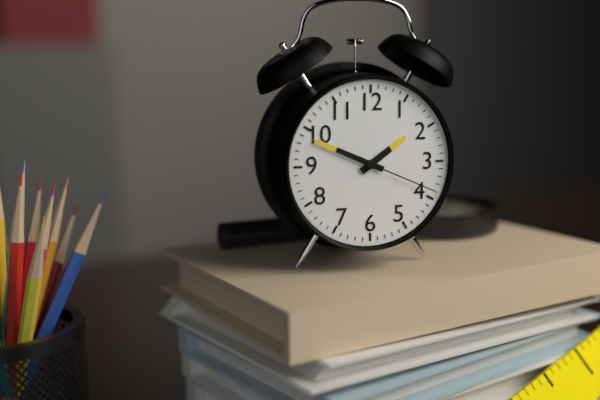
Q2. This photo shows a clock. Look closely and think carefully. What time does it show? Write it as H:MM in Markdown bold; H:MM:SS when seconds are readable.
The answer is **1:49:19**
